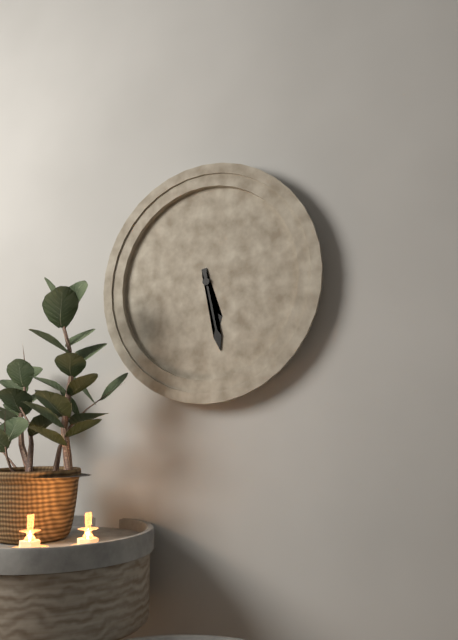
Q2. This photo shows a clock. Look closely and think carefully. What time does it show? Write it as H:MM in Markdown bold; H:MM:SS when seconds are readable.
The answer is **5:28**
